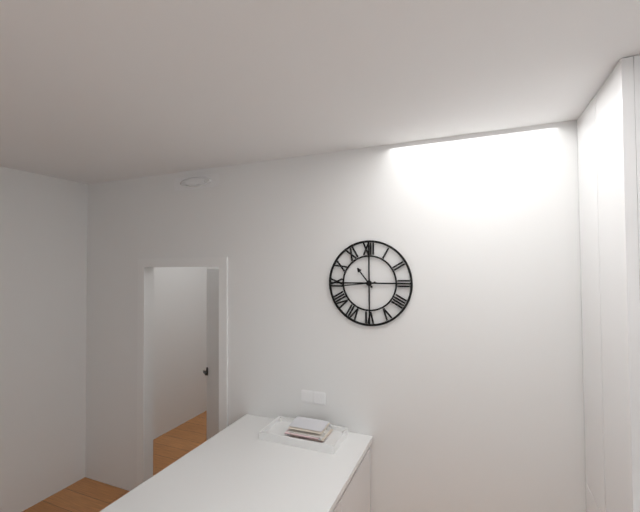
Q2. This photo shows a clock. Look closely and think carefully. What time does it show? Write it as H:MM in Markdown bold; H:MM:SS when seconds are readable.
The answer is **10:44**
